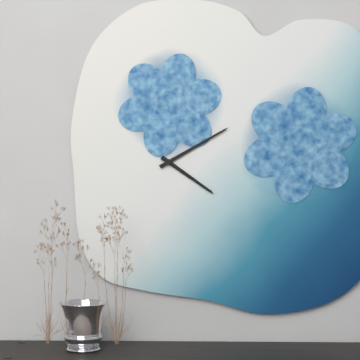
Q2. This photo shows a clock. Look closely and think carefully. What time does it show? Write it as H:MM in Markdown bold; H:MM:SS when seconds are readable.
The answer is **4:10**
